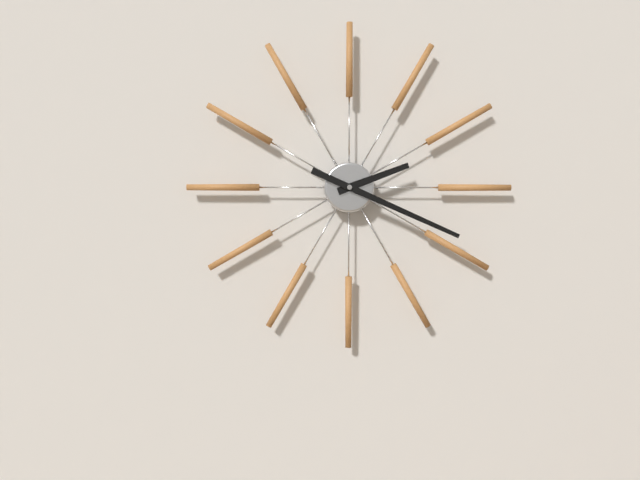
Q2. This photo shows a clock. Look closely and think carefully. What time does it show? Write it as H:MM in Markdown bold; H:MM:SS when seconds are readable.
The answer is **2:19**
